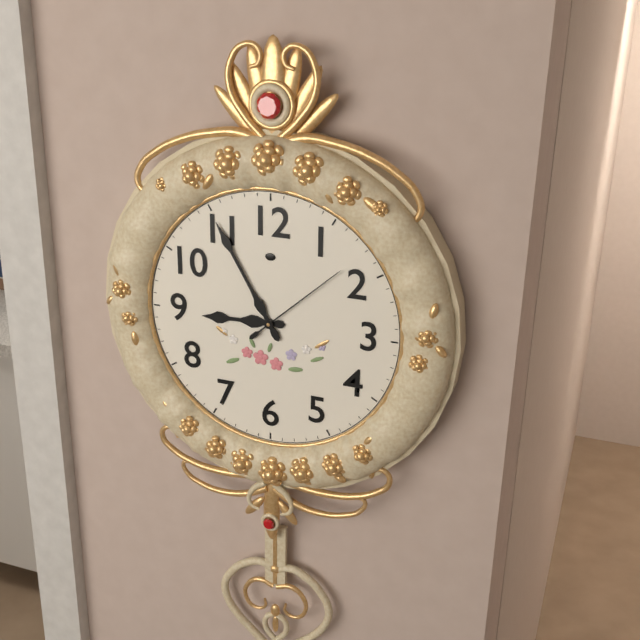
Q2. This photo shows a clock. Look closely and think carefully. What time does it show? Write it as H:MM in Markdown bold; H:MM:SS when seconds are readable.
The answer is **8:55:08**
